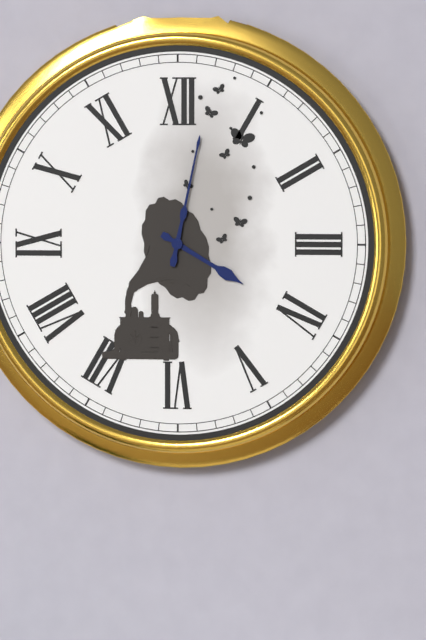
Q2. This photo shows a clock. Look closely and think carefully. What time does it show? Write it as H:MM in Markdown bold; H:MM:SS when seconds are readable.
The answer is **4:02**
